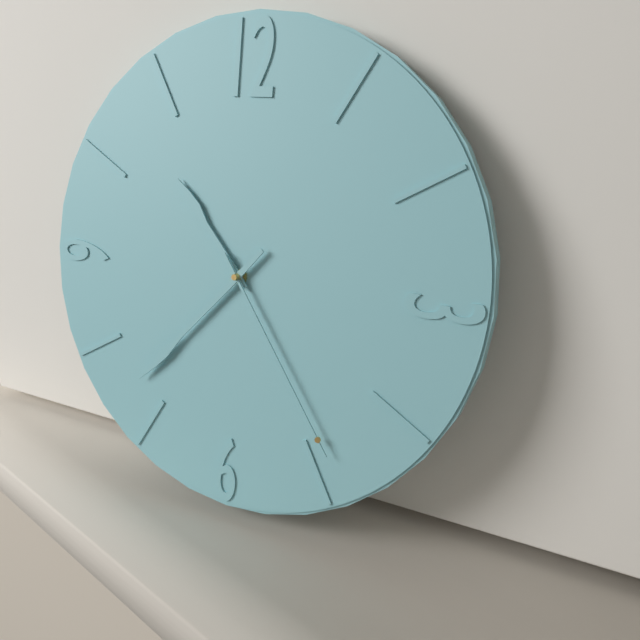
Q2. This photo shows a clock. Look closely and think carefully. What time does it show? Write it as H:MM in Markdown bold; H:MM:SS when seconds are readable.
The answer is **10:37:24**
